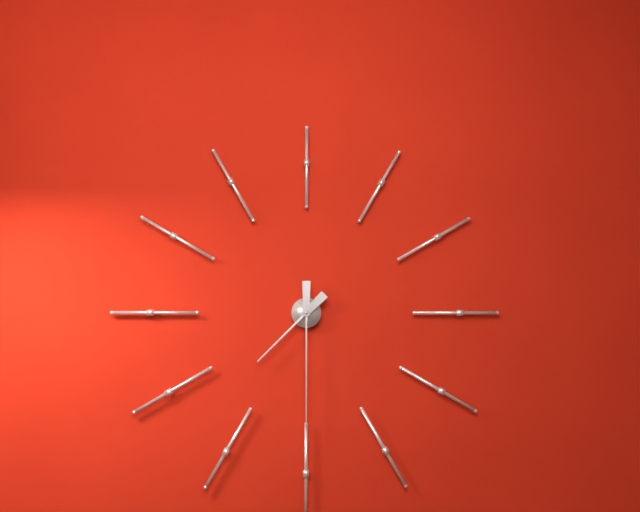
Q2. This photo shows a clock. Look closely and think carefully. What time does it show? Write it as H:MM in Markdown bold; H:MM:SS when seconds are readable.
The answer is **7:30**
